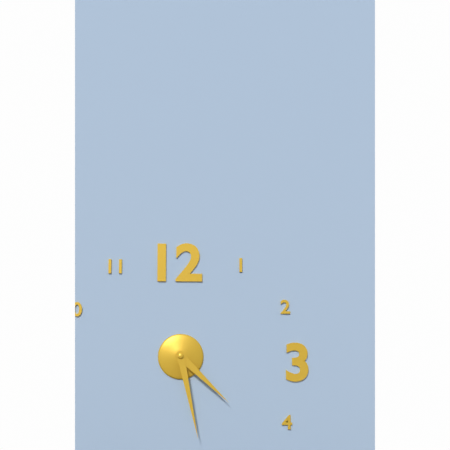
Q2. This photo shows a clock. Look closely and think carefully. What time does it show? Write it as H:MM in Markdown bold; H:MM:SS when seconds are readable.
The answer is **4:28**
